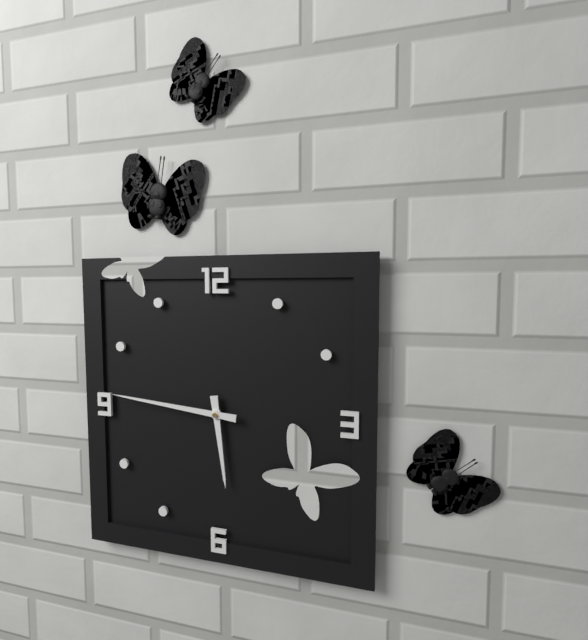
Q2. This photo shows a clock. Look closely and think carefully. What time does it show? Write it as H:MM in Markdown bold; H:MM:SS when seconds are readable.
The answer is **5:46**
